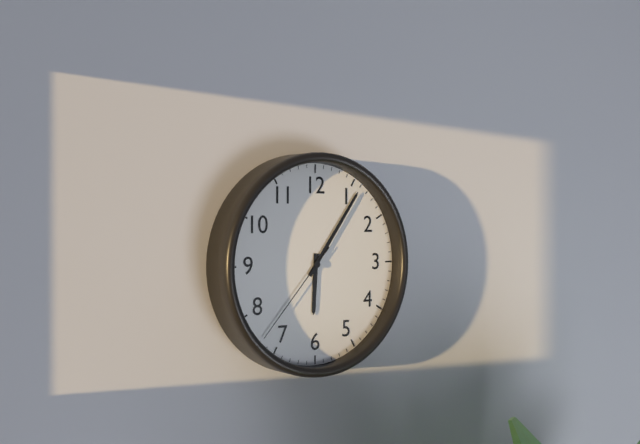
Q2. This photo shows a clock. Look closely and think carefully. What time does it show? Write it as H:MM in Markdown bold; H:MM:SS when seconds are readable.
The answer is **6:06:37**
